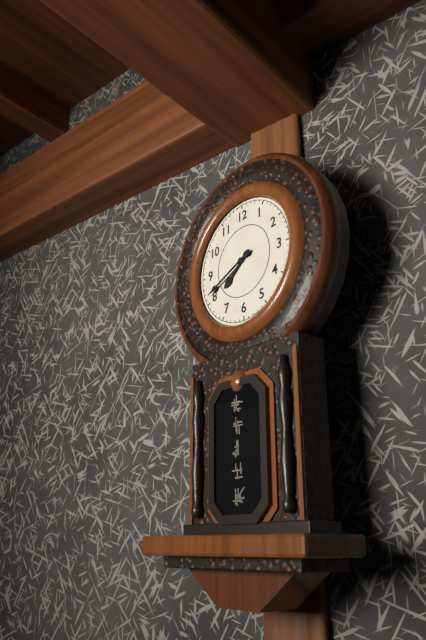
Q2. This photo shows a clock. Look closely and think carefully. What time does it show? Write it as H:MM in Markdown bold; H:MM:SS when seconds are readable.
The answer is **7:41**
